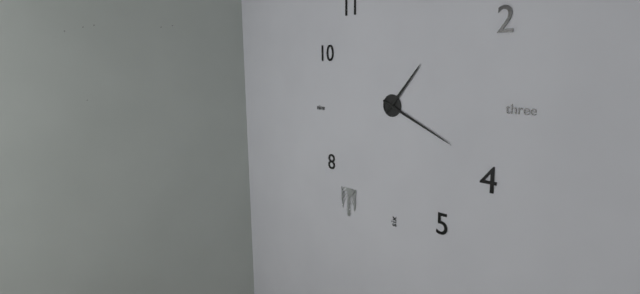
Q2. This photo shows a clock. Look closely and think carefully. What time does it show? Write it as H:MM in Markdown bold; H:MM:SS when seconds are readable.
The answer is **1:19**
